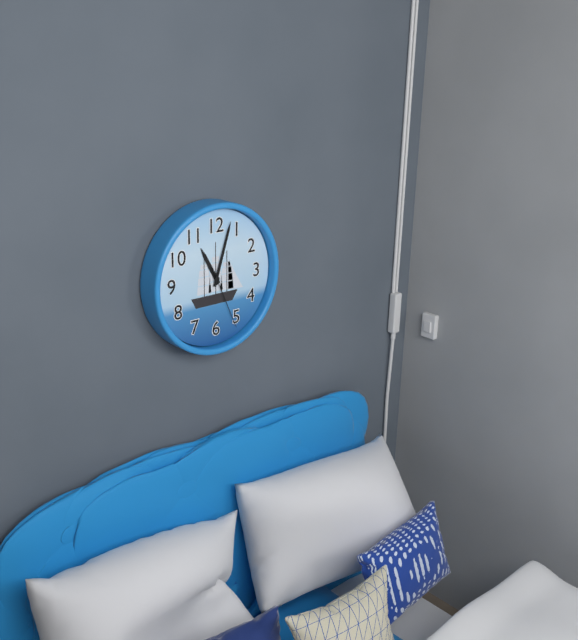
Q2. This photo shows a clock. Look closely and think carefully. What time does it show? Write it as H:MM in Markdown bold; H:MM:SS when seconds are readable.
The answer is **11:03:26**
